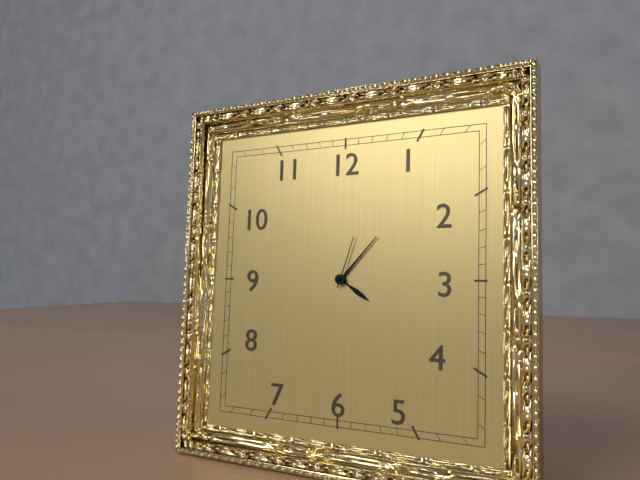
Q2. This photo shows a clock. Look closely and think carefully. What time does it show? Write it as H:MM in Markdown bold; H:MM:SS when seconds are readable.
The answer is **4:07:03**
